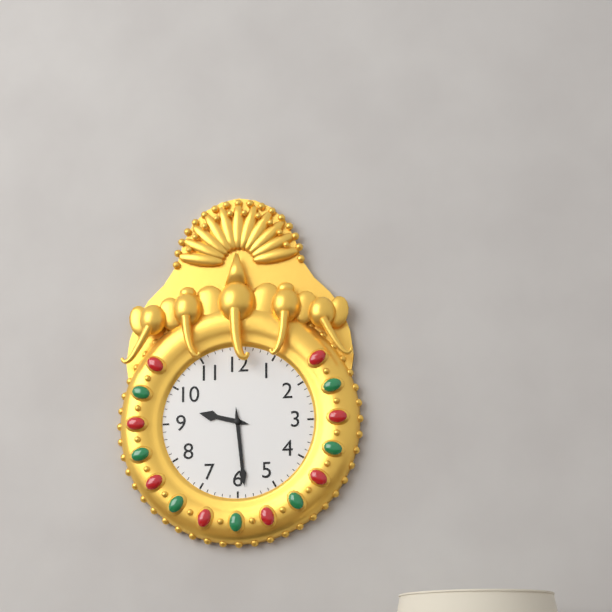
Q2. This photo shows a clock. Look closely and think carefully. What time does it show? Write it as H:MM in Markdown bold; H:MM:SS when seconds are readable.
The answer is **9:29**
